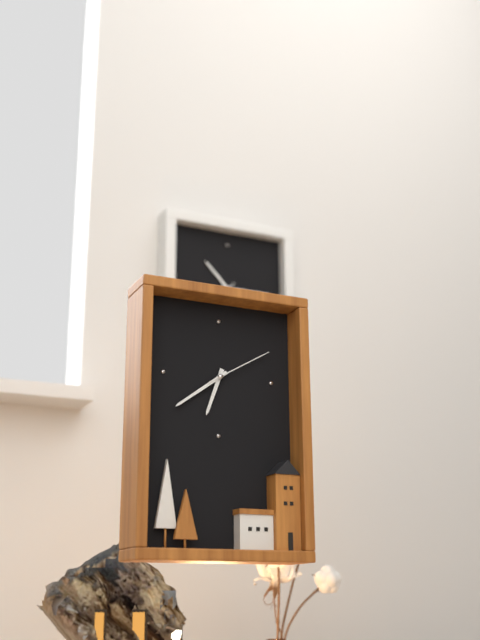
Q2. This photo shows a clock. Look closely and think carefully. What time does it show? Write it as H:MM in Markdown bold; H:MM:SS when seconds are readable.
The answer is **6:39:10**
